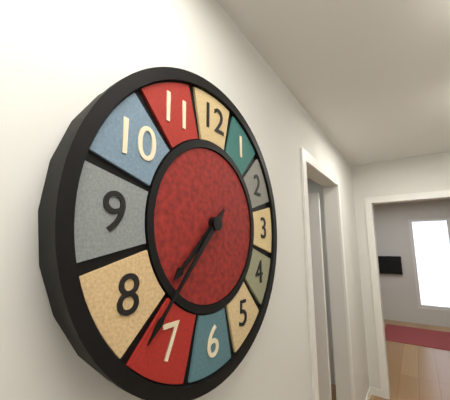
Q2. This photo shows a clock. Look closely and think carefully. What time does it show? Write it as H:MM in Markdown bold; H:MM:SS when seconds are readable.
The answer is **7:37**
